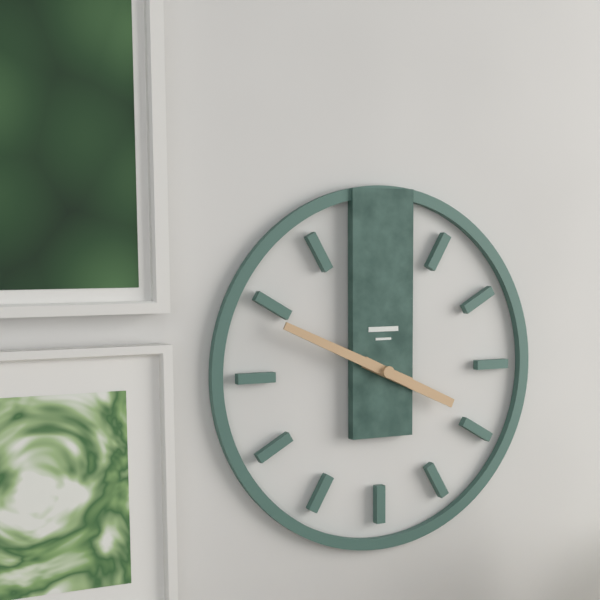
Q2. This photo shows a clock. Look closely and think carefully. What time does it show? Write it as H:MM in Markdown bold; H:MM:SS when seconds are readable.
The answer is **3:49**
